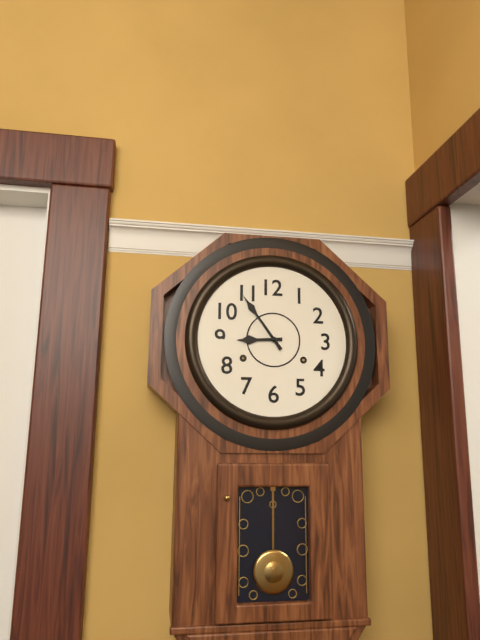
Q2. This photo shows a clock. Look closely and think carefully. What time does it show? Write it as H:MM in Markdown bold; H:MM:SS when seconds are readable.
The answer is **8:54**
